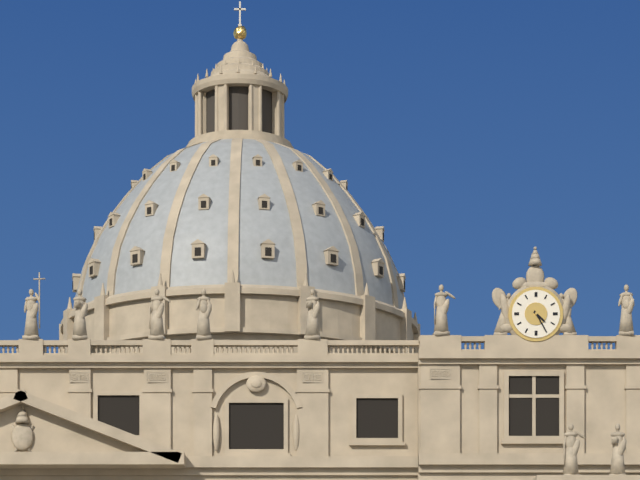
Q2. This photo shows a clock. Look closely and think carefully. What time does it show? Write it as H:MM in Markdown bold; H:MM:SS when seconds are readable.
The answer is **4:25**
